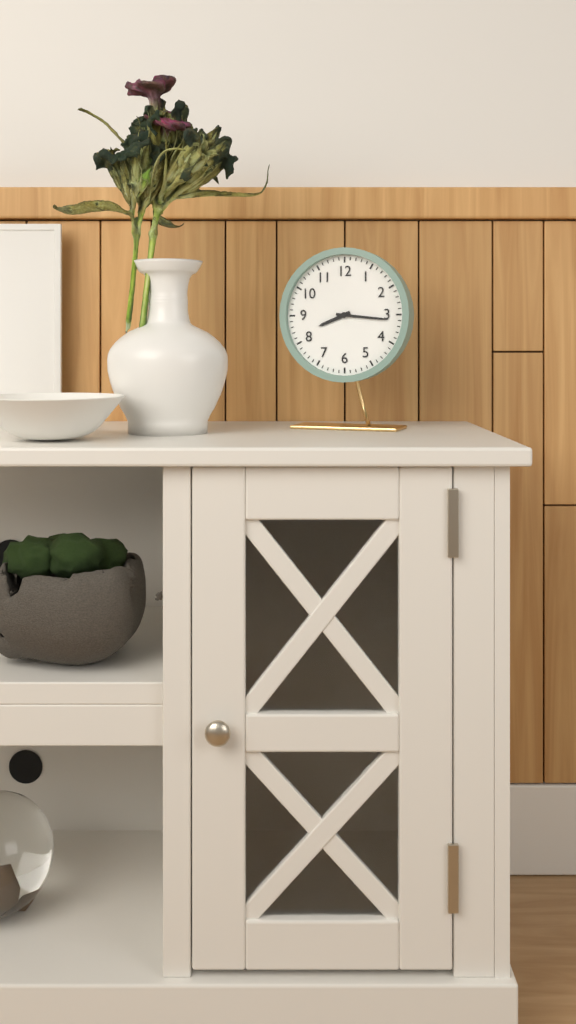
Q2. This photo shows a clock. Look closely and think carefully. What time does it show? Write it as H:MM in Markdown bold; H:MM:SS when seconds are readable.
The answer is **8:16**
